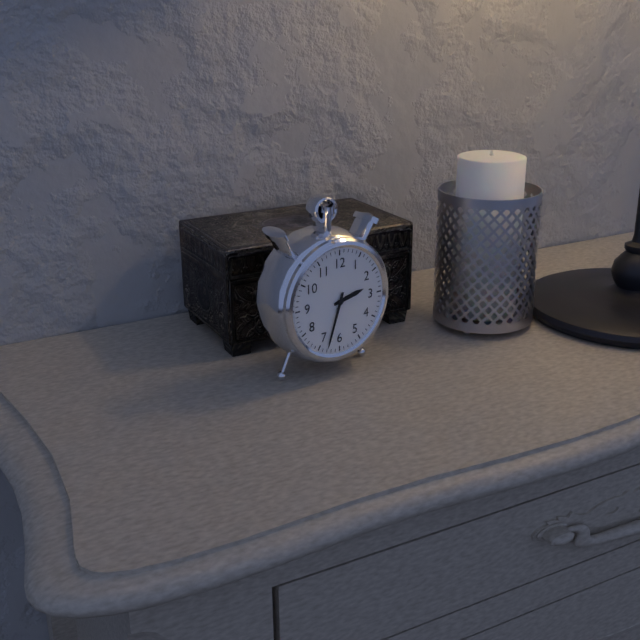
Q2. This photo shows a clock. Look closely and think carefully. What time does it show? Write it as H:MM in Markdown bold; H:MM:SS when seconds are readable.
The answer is **2:33**
